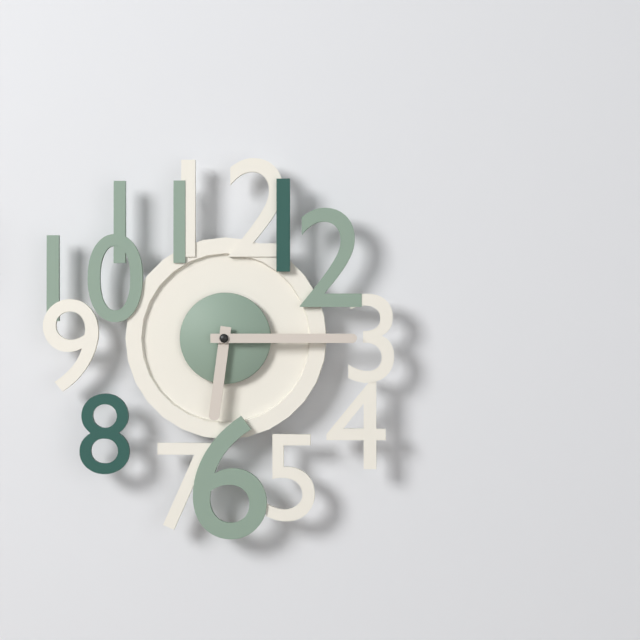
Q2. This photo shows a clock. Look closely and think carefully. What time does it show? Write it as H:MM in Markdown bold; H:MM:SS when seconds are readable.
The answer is **6:15**
